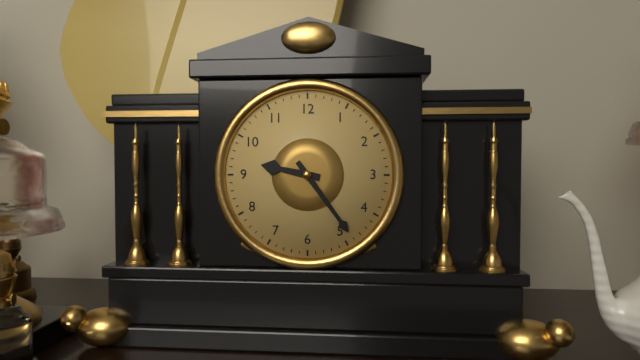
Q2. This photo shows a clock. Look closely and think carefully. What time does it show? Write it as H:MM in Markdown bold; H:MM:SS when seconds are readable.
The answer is **9:24**
